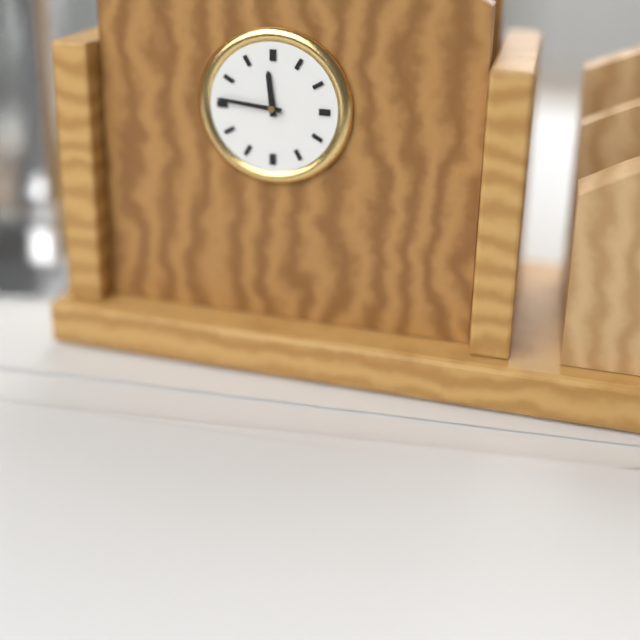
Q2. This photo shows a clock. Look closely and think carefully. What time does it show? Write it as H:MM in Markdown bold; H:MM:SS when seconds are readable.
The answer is **11:46**
